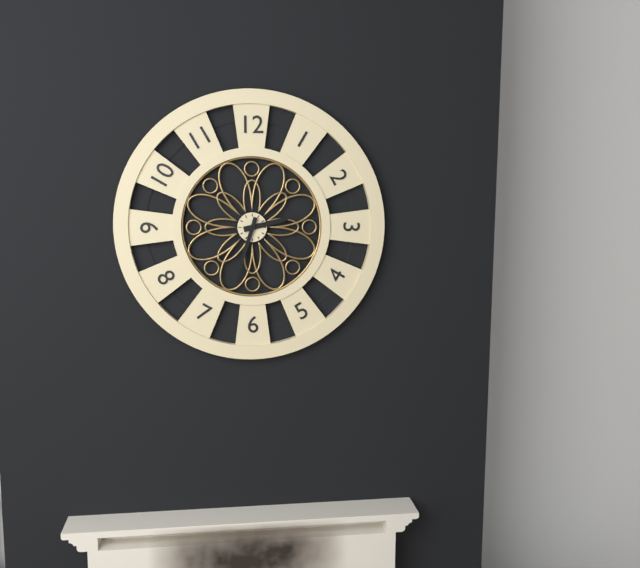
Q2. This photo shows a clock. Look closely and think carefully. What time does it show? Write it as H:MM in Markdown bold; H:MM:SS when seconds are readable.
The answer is **2:33**
